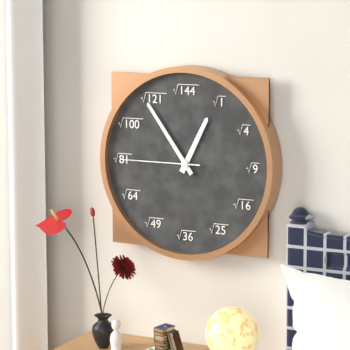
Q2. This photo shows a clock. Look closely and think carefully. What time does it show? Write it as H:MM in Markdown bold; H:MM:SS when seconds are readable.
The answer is **12:54:45**
